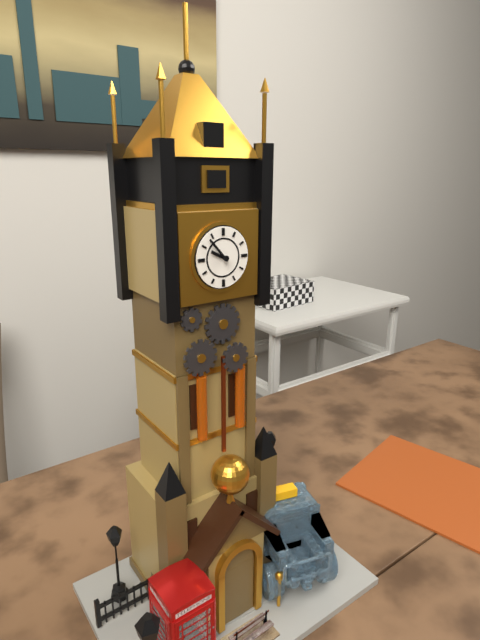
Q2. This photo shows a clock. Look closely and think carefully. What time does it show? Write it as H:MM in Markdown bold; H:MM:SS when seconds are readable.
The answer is **9:53**
